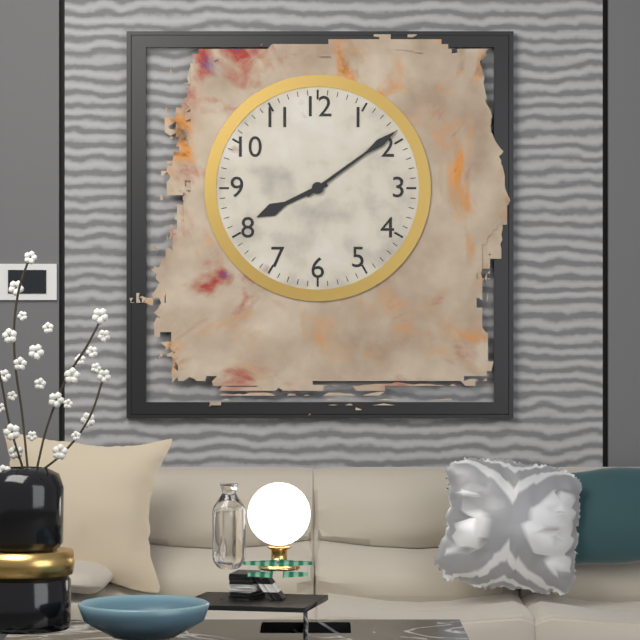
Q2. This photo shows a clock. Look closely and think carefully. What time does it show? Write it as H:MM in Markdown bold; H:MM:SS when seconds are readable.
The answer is **8:09**
